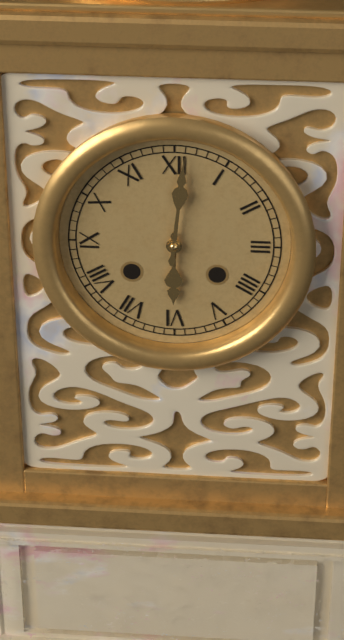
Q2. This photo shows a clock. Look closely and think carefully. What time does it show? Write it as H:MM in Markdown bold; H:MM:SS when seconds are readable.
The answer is **6:01**
